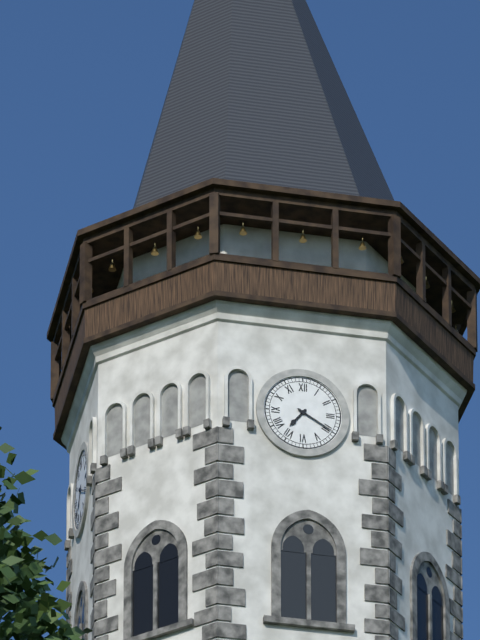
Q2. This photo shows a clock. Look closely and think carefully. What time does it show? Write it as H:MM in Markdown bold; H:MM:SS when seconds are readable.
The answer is **7:20**
